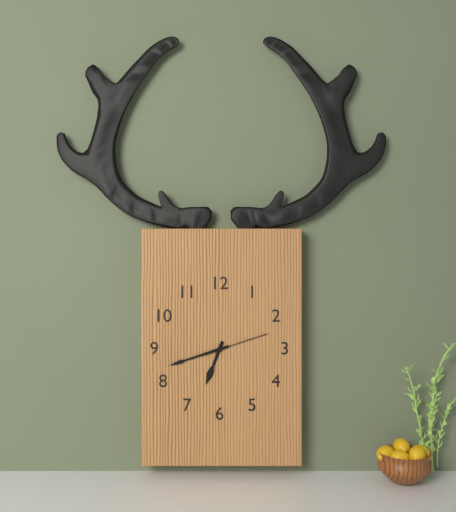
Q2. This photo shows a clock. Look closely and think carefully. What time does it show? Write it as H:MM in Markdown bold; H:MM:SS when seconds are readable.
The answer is **6:42:12**
